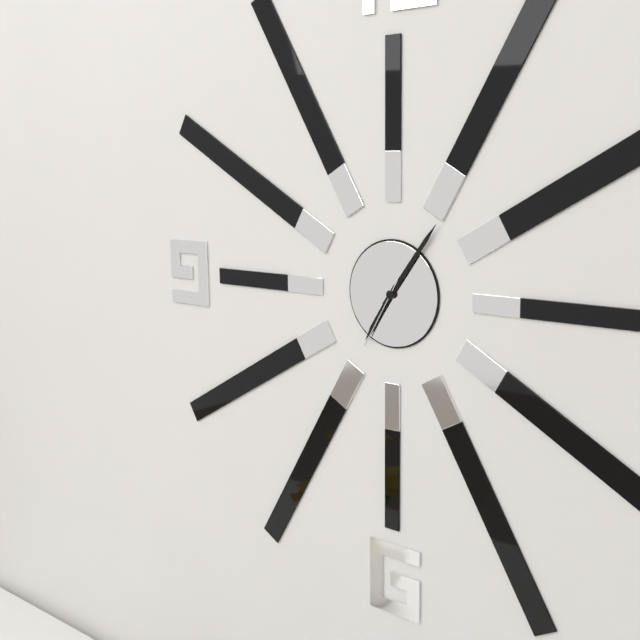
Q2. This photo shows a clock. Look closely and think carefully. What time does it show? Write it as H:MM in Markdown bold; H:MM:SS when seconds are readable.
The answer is **7:06:35**
